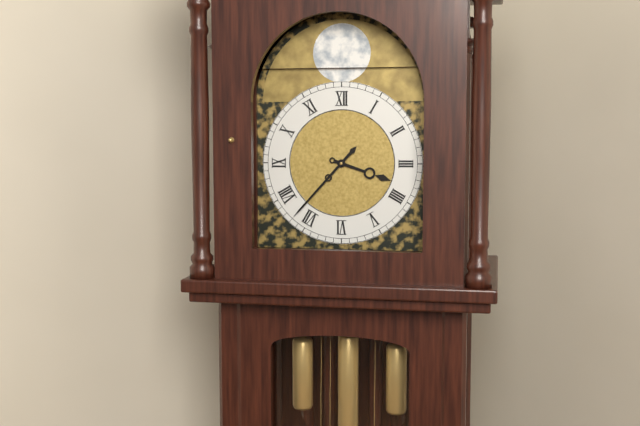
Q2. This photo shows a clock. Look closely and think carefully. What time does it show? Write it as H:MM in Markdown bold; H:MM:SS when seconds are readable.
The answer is **3:37**
